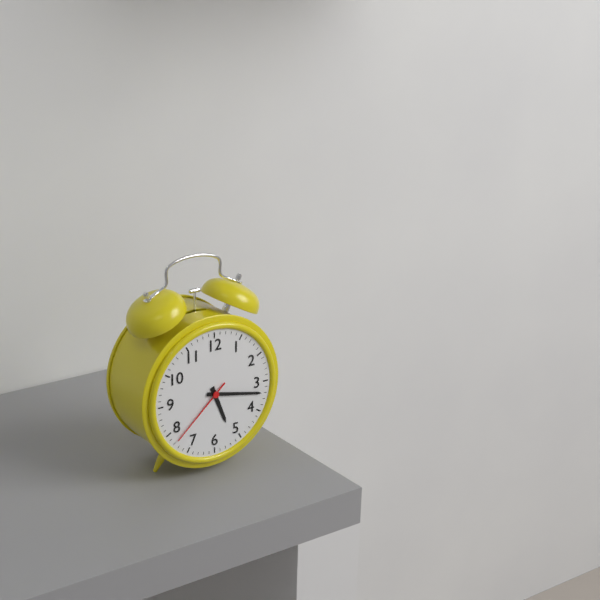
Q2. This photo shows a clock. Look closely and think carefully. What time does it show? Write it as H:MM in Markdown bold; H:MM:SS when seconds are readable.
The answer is **5:17:38**
